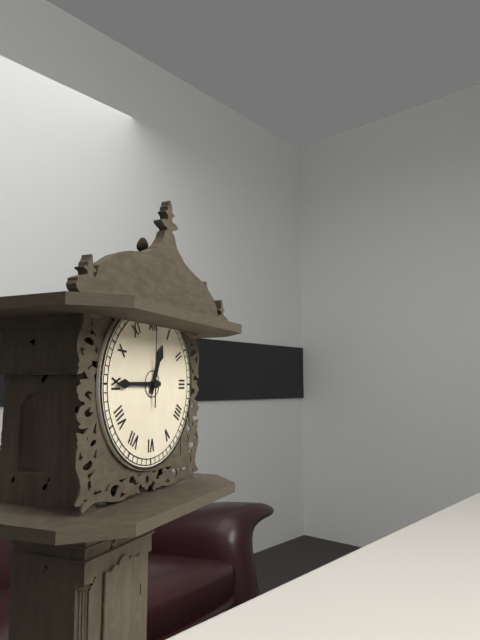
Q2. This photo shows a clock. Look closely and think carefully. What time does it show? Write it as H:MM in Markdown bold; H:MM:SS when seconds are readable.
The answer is **12:45:00**
